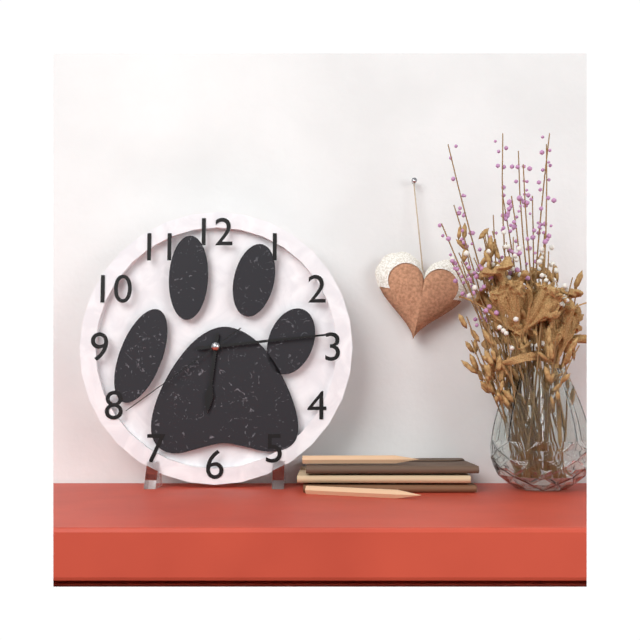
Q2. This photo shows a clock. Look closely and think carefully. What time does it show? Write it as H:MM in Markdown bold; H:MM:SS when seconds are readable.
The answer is **6:14:39**
